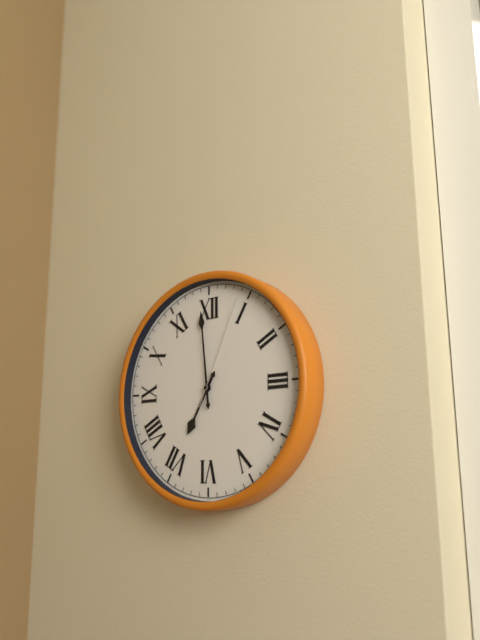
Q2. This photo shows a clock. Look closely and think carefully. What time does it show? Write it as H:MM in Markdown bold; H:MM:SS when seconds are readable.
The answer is **6:59:04**
